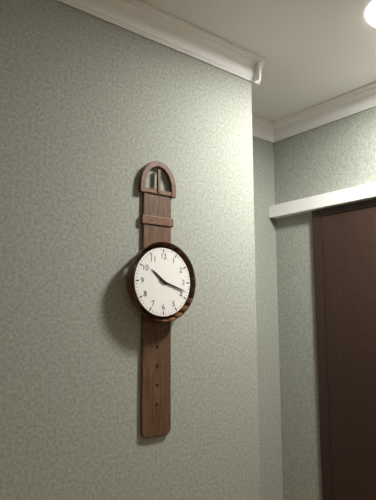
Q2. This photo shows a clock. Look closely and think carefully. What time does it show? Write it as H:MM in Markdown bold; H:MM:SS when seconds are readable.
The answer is **10:18**
